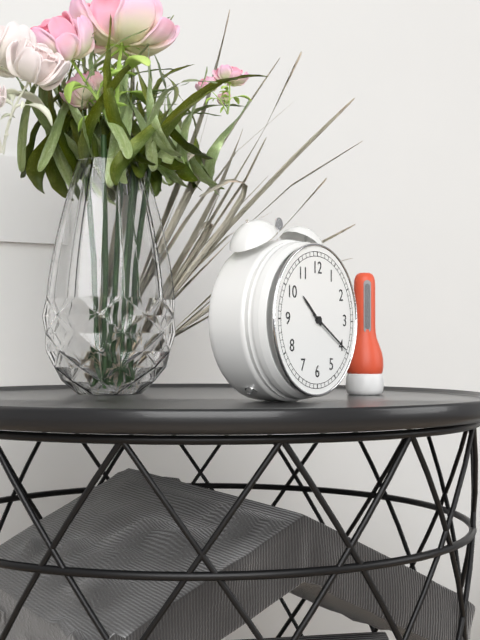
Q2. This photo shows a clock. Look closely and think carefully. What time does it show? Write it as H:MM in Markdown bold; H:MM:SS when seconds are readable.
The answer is **10:20**
